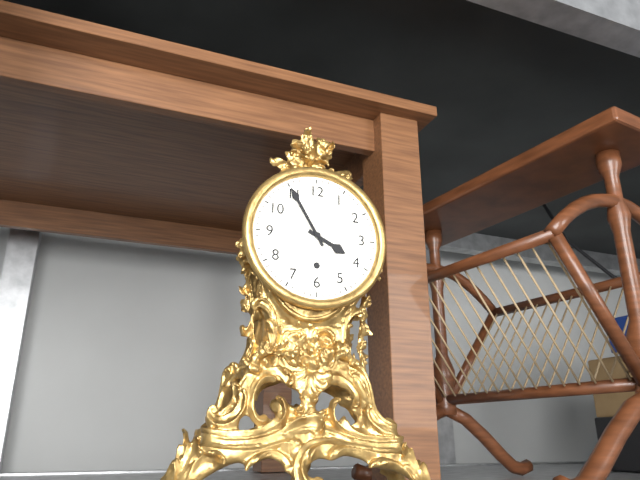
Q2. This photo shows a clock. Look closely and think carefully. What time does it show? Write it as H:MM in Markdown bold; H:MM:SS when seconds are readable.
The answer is **3:55**
